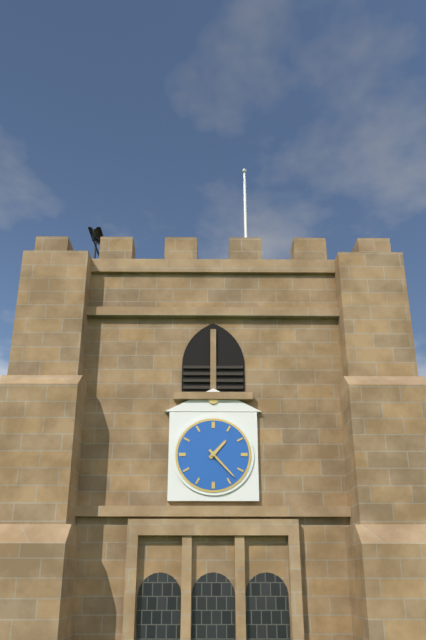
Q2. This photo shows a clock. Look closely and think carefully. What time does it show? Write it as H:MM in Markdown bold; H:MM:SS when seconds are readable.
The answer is **1:23**
